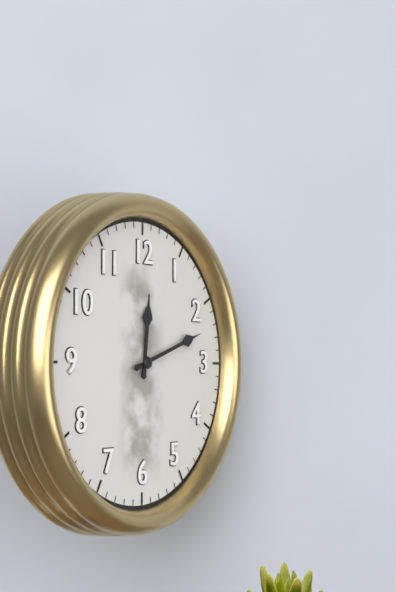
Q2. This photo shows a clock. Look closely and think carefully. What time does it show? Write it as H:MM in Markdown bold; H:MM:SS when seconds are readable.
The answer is **12:12**
